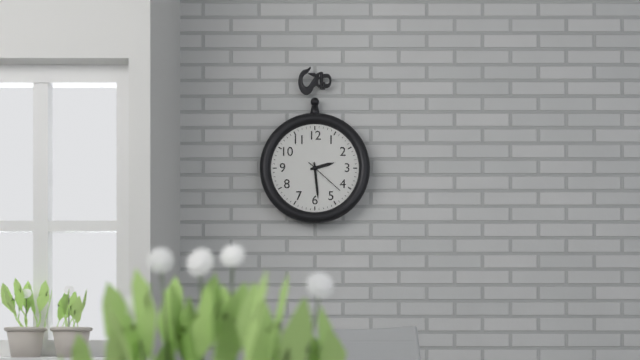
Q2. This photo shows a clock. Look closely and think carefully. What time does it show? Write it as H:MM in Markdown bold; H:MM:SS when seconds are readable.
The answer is **2:29**
